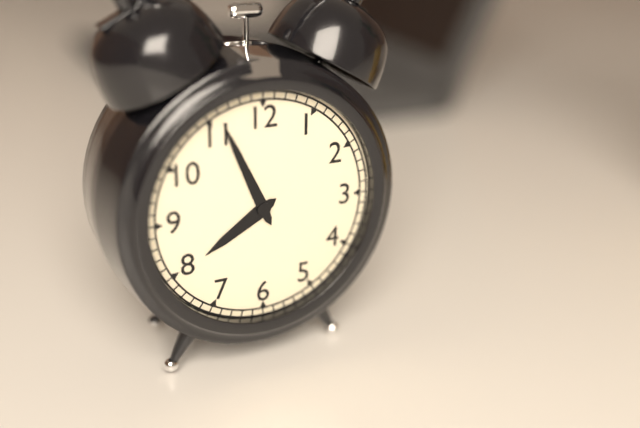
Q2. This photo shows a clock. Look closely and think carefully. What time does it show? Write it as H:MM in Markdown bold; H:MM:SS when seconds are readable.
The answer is **7:56**
